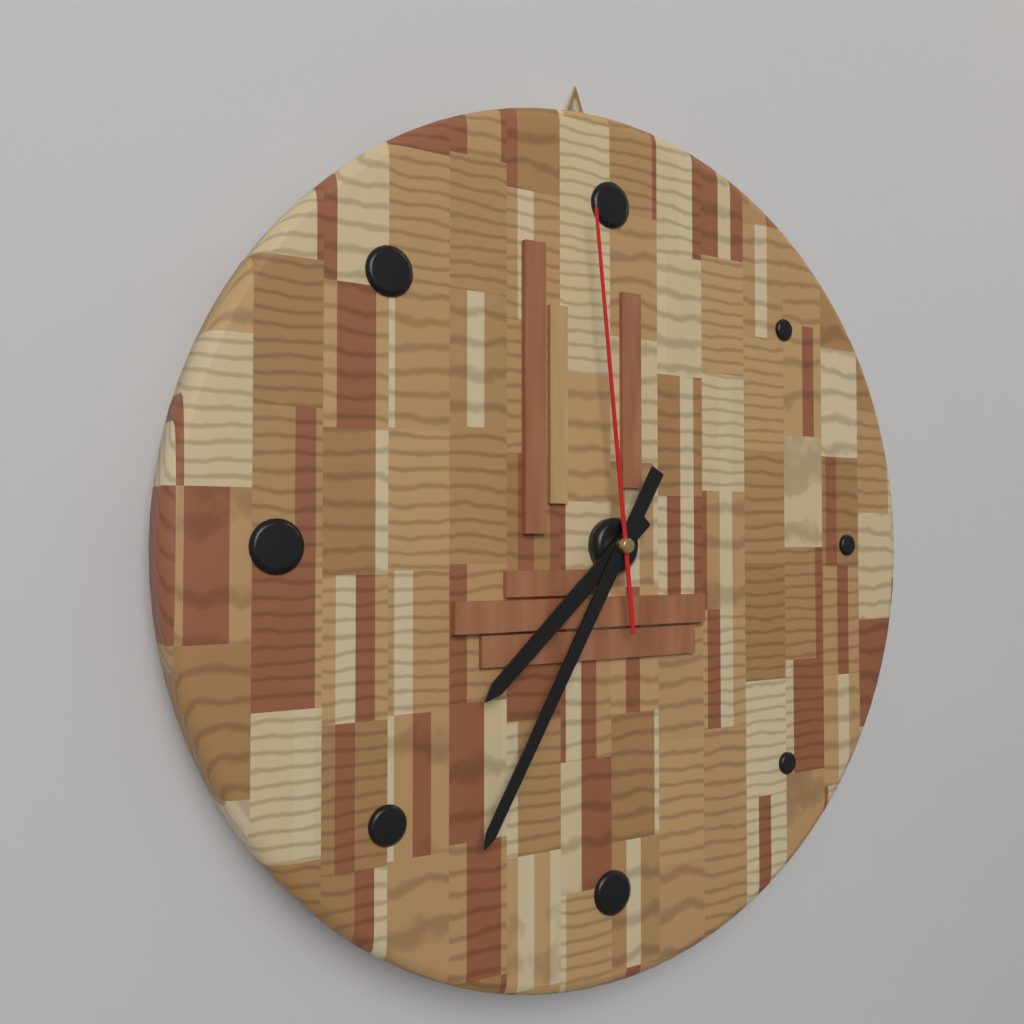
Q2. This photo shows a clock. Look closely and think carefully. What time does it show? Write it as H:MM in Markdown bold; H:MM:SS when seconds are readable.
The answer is **7:35:59**
